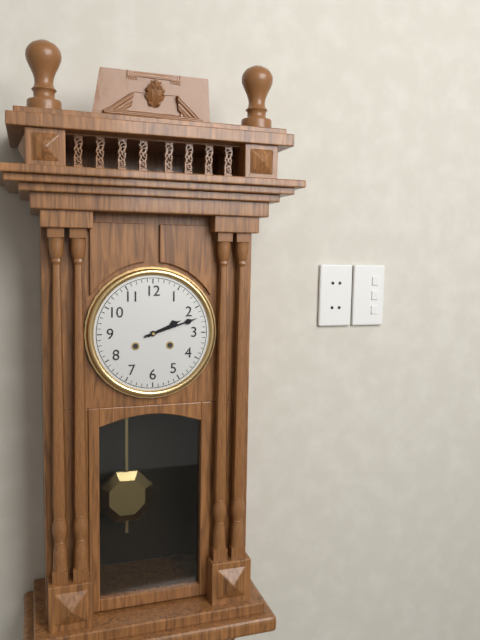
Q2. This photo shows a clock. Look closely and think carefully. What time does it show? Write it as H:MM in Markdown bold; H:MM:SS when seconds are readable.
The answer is **2:12**
